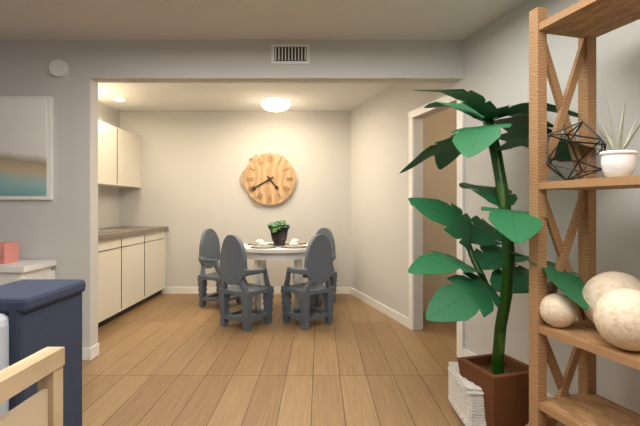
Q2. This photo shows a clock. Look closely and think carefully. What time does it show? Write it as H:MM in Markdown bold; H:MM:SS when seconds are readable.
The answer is **4:40**
